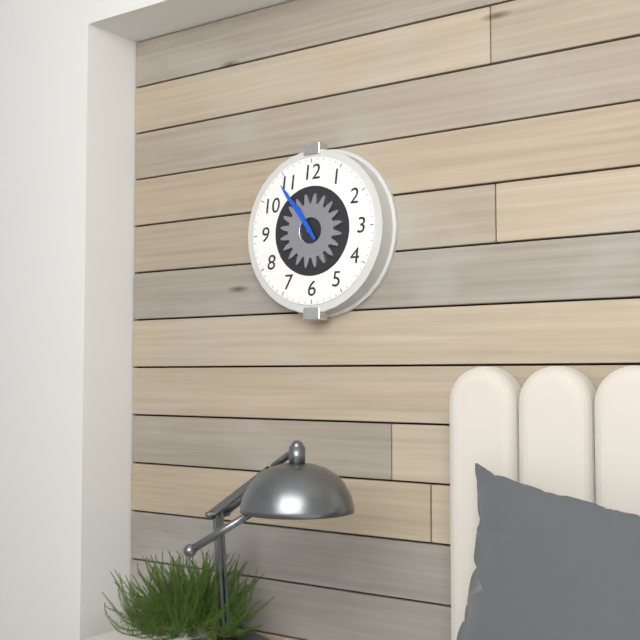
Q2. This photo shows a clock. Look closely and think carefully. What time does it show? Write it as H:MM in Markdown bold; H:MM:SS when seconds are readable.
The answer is **10:54**
